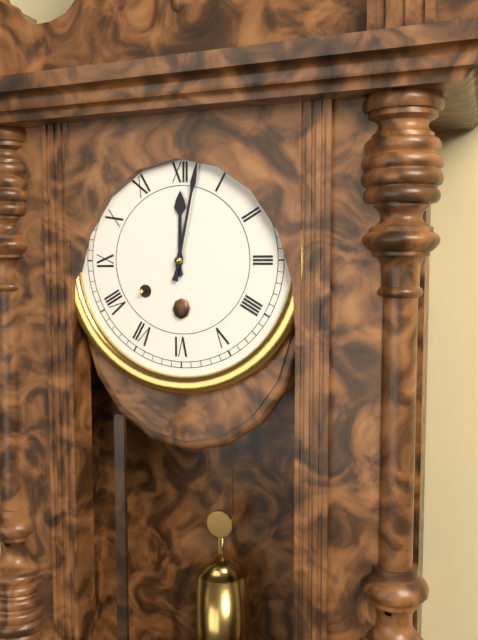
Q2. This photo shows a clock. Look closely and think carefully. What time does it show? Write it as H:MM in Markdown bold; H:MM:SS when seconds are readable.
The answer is **12:02**
